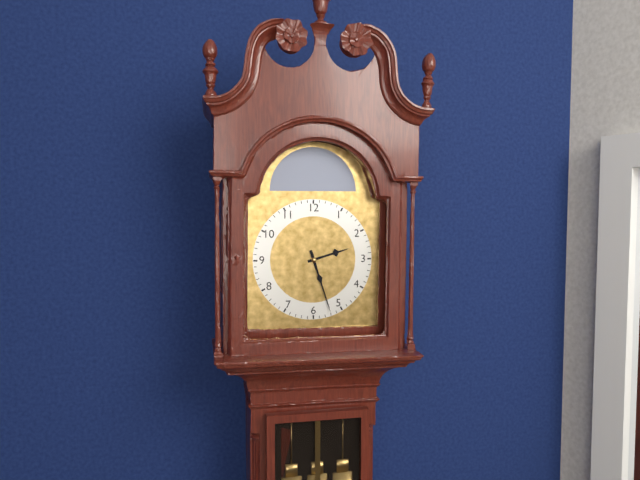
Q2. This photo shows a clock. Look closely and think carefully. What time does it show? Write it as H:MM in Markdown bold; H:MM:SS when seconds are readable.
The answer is **2:27**
